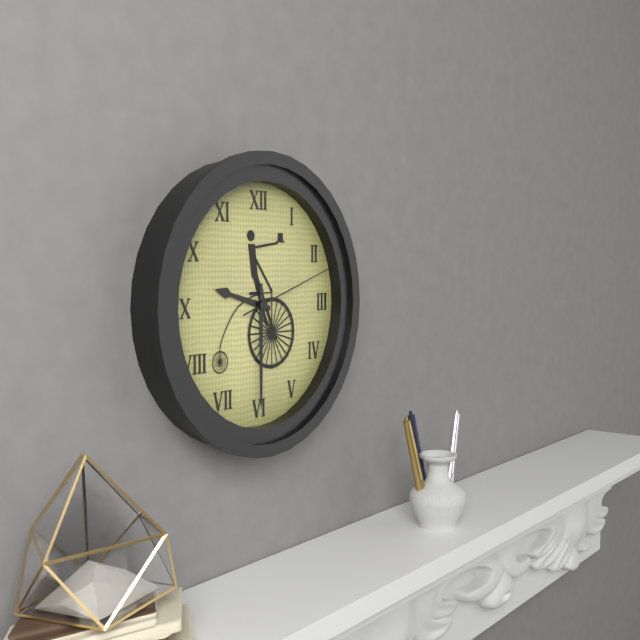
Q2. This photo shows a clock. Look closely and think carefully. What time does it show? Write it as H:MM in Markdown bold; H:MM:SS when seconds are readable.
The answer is **9:30:12**
